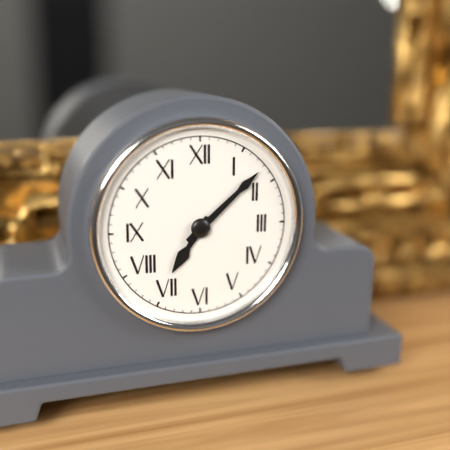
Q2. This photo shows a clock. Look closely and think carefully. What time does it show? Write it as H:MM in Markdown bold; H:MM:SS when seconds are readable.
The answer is **7:08**
